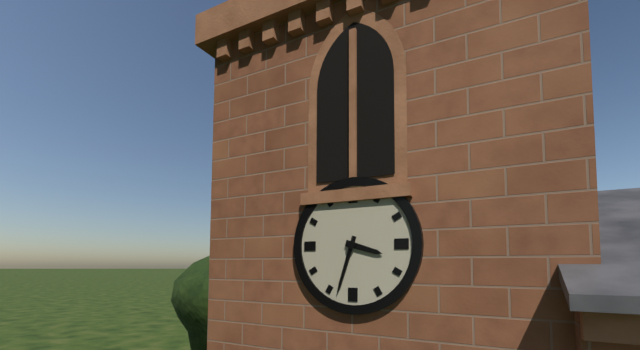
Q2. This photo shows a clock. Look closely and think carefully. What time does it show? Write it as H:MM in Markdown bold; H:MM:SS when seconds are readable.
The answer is **3:33**
